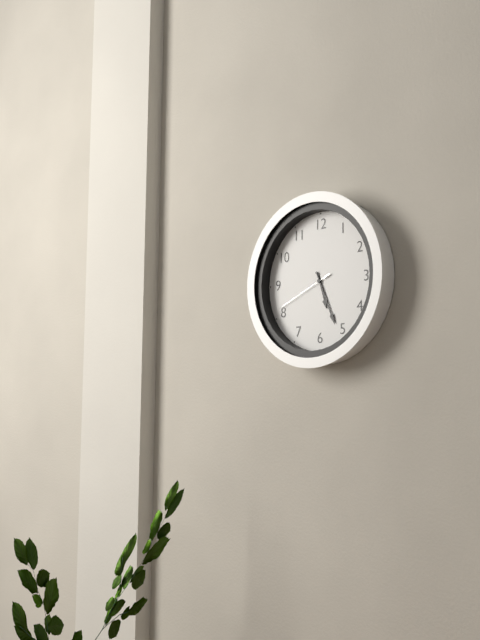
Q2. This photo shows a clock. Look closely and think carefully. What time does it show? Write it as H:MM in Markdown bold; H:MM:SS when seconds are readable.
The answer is **5:26:41**
